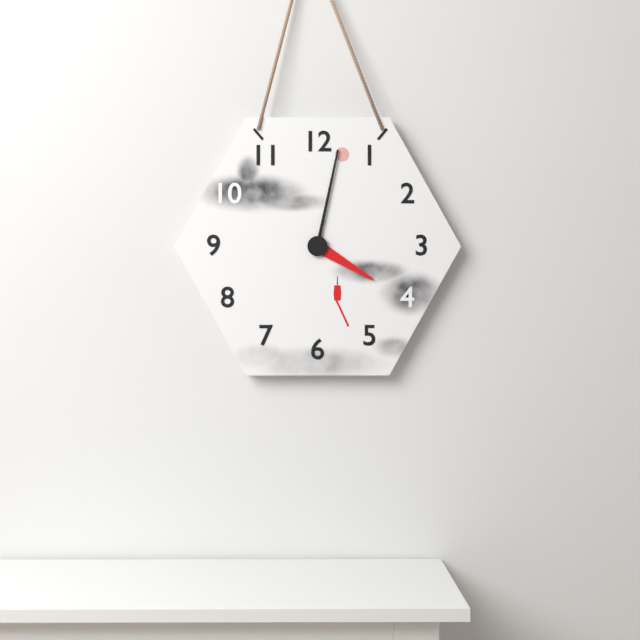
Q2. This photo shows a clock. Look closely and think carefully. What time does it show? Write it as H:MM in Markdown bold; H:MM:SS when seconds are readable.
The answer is **4:02**
